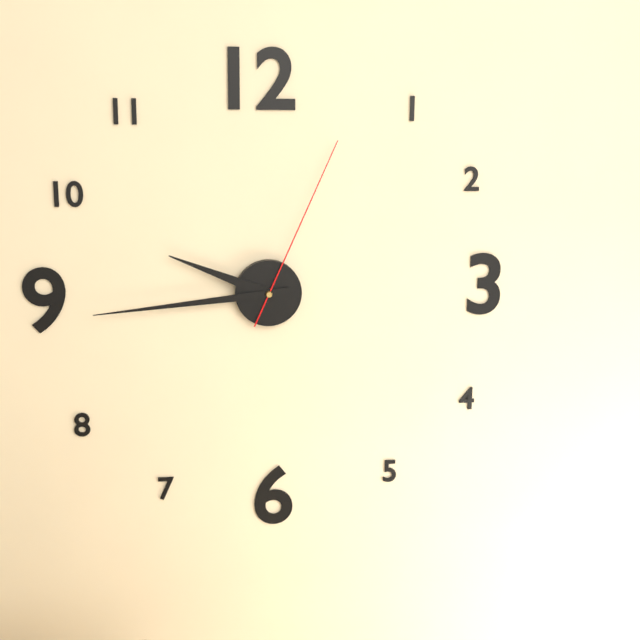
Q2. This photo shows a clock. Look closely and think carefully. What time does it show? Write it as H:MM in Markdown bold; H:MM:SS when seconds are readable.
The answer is **9:44:04**
